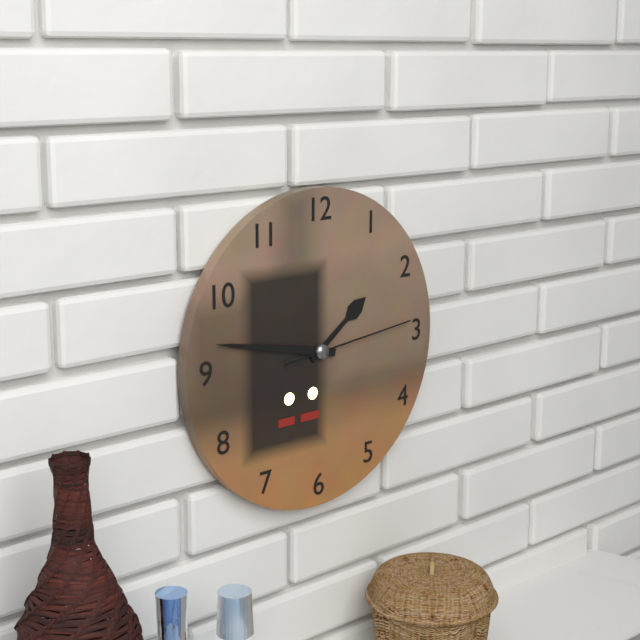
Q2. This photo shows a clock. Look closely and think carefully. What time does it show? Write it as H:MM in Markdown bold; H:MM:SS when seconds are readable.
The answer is **1:47:14**
